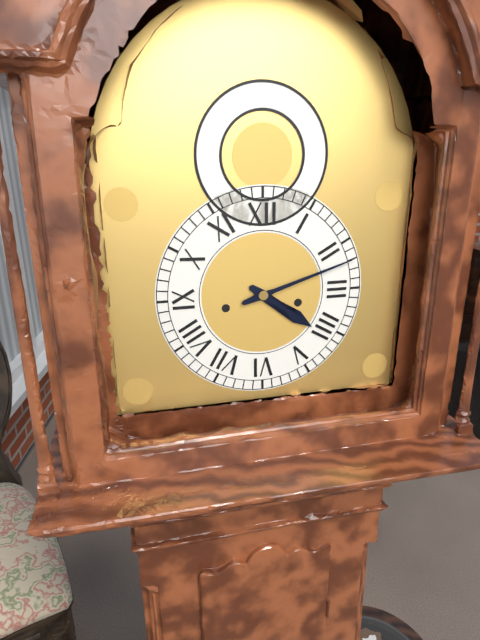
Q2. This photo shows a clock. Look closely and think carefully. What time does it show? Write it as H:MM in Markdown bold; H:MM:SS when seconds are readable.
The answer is **4:12**
